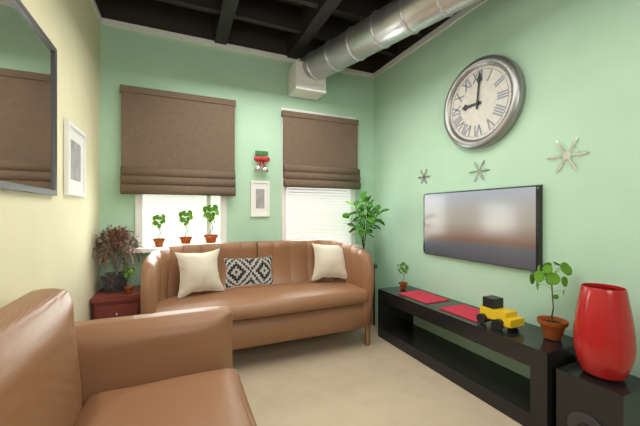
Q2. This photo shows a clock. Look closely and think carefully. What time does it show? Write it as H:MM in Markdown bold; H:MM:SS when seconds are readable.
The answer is **9:01**
